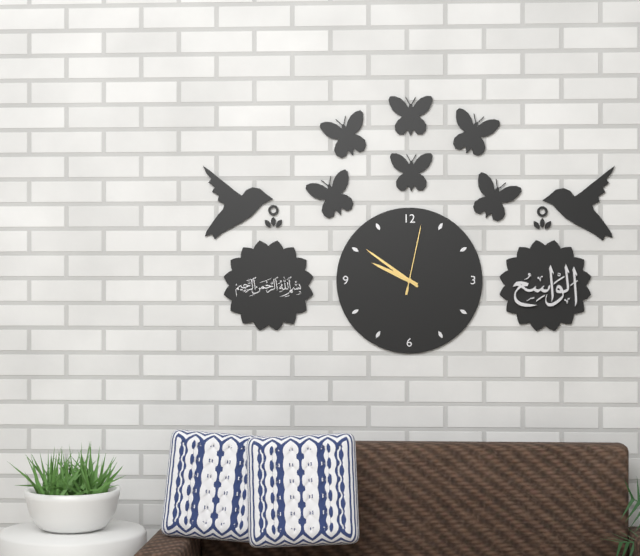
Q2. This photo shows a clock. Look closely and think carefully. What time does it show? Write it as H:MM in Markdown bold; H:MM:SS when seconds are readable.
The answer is **9:51:02**
